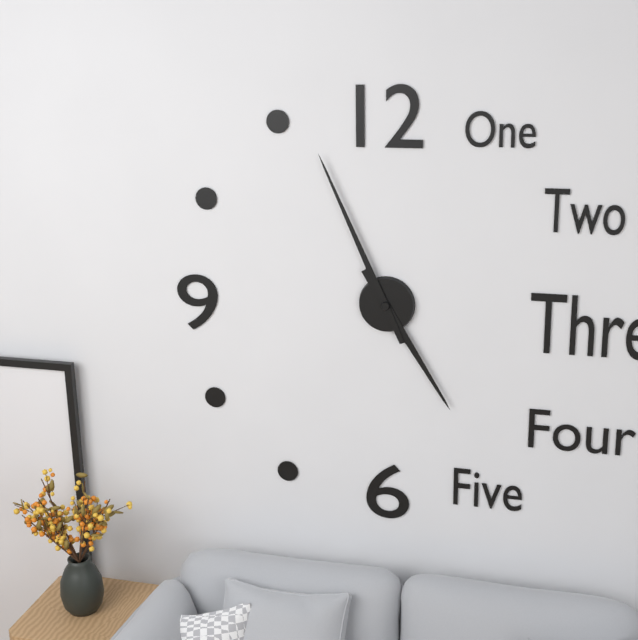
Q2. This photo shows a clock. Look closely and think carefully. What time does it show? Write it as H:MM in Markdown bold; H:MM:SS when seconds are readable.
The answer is **4:56**
